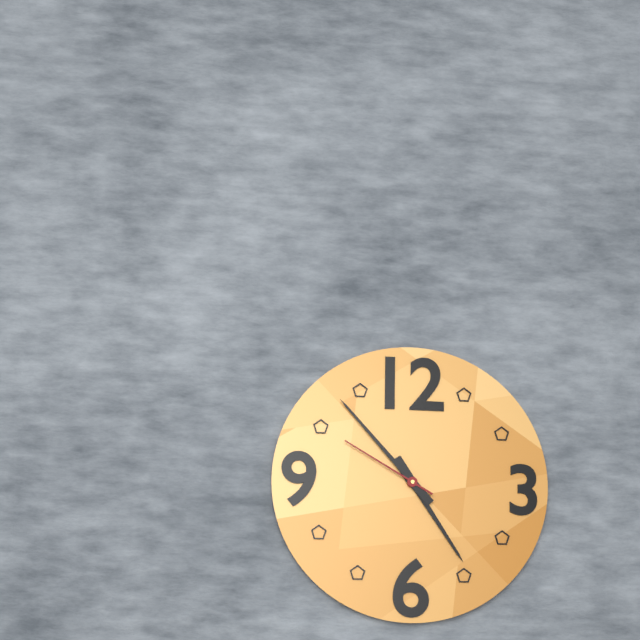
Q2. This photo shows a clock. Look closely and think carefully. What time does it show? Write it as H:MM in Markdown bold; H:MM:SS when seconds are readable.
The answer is **4:53:50**
